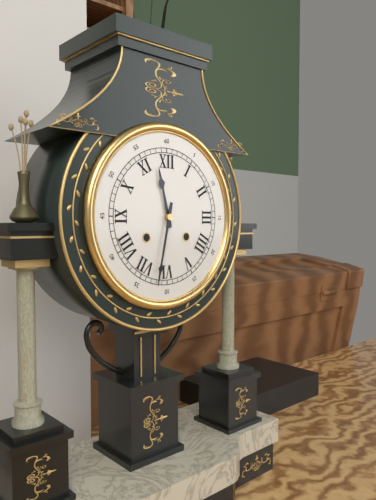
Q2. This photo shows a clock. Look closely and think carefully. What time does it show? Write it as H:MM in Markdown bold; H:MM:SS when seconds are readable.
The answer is **11:32**
